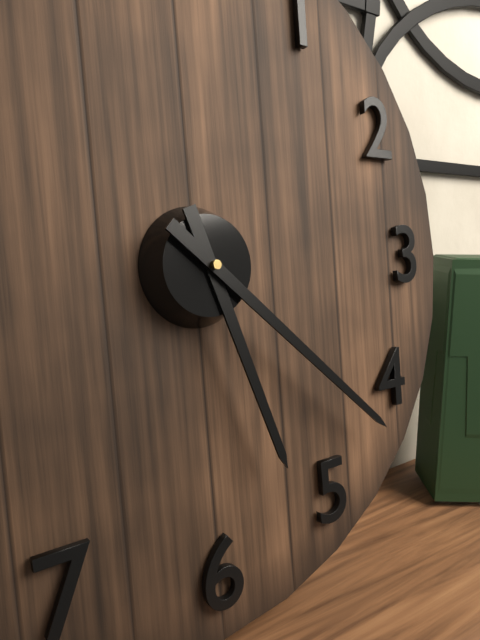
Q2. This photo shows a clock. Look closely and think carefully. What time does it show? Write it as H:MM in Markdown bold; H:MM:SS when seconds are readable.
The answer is **5:22**
